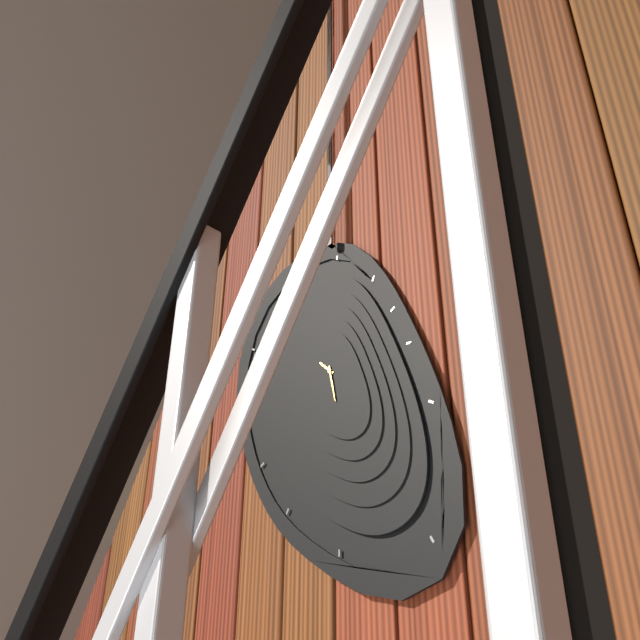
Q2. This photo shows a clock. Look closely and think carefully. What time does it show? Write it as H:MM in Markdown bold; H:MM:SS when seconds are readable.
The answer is **10:28**
